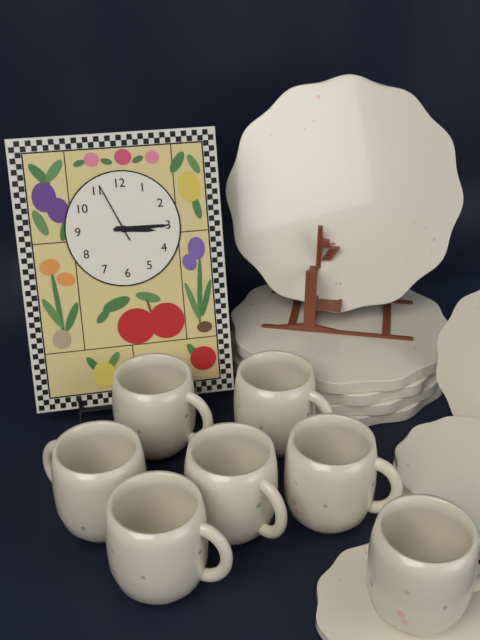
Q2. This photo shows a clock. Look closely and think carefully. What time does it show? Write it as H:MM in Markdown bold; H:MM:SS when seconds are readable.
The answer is **3:15:56**
